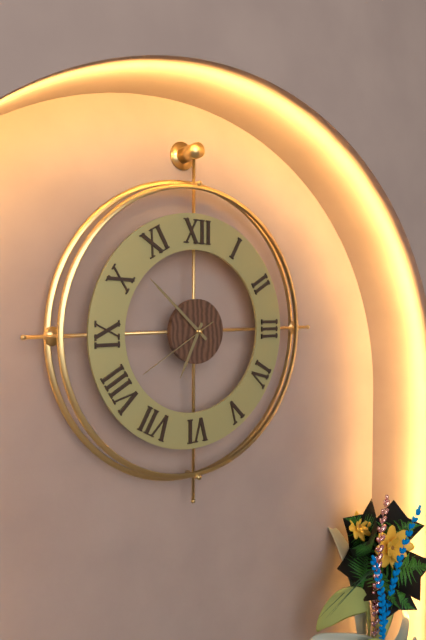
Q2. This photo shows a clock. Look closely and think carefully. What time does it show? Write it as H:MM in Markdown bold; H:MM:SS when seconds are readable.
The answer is **6:52:40**
